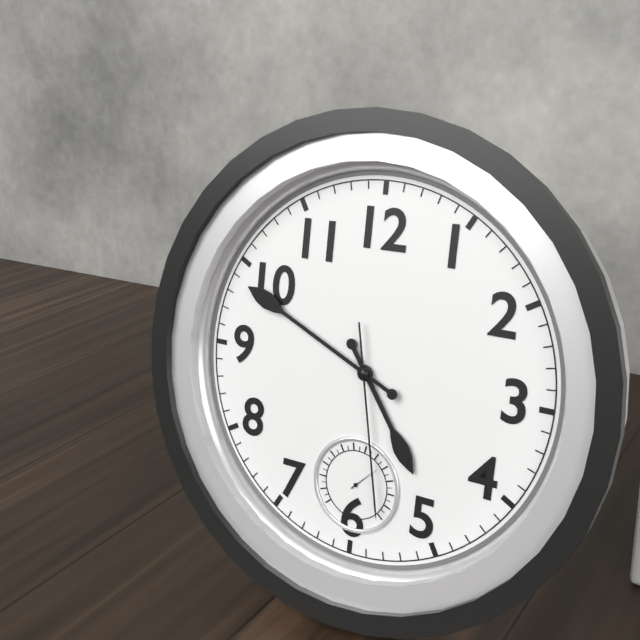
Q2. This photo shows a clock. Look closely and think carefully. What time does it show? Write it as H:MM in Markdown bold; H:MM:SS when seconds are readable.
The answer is **4:49:28**
